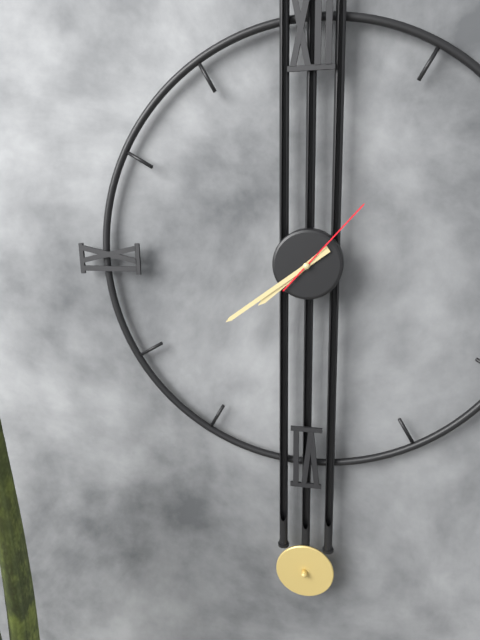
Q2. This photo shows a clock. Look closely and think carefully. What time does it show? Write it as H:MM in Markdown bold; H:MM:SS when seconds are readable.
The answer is **7:39:07**
